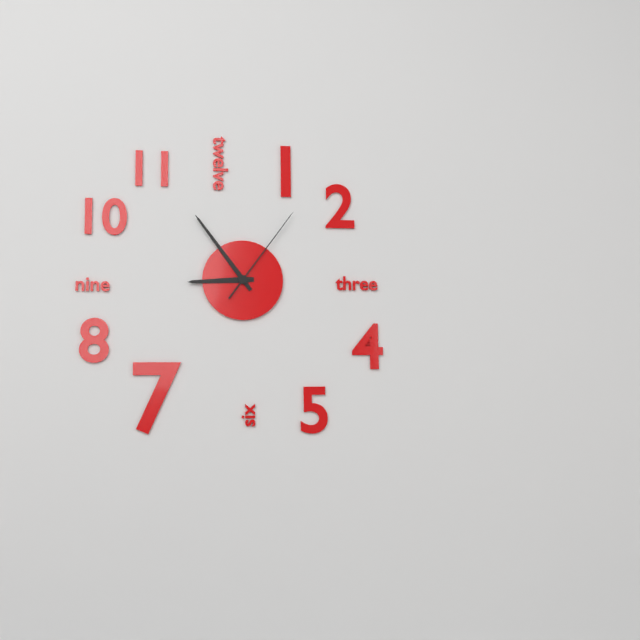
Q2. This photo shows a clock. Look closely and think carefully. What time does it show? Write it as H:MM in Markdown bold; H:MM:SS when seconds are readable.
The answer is **8:54:06**
